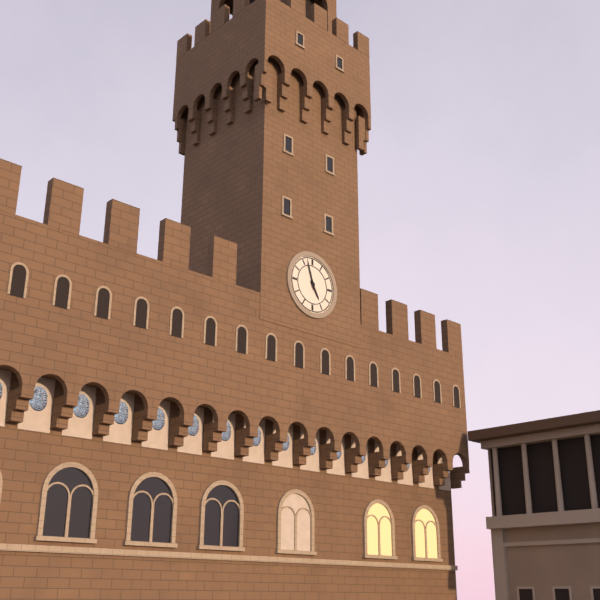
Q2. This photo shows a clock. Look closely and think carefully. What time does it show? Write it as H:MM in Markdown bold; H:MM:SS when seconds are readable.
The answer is **4:57**
